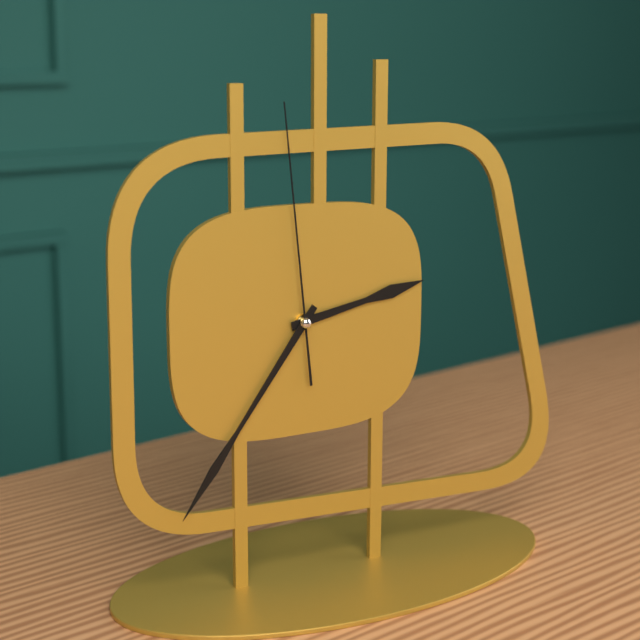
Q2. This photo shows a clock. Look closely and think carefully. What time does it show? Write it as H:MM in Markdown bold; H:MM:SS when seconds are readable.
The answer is **2:36:59**
